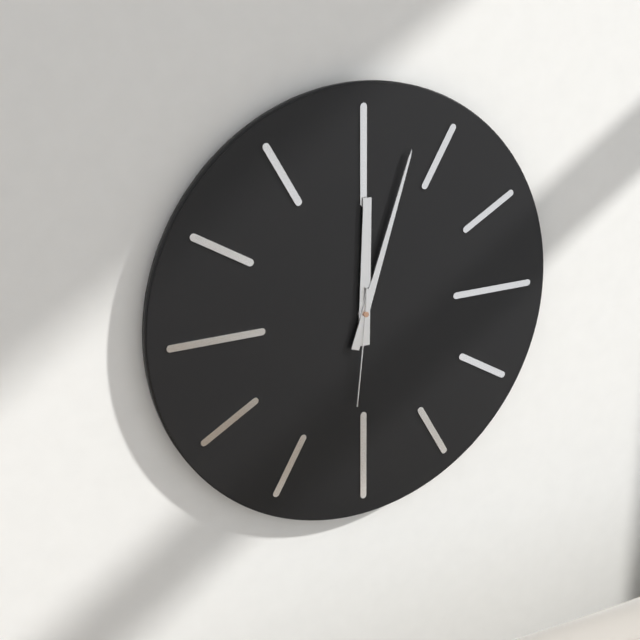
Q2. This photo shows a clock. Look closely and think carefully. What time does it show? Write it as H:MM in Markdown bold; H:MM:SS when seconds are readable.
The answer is **12:03:31**
